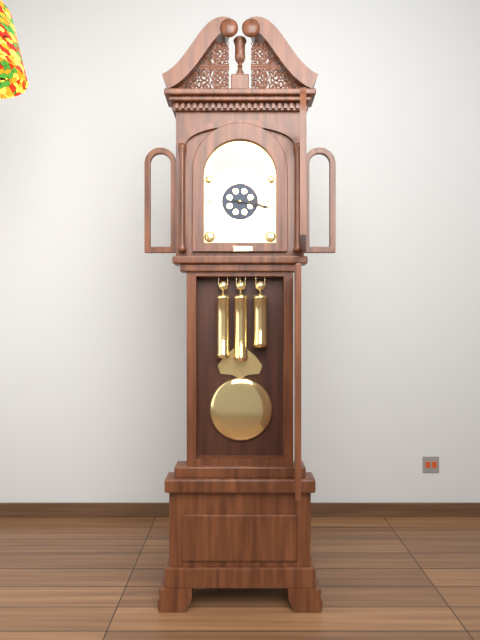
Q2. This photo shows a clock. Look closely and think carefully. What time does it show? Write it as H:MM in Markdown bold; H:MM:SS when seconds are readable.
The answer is **3:17**
